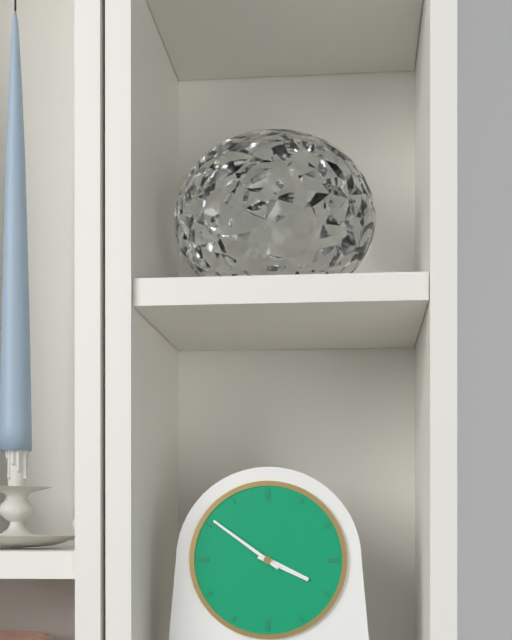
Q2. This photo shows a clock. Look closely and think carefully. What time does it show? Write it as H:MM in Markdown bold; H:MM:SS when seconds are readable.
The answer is **3:51**
